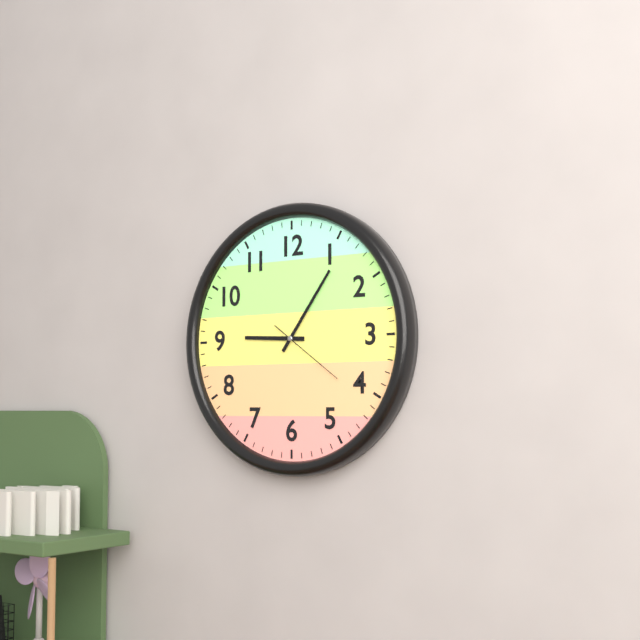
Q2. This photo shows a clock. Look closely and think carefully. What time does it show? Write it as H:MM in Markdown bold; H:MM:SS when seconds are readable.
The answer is **9:06:21**
